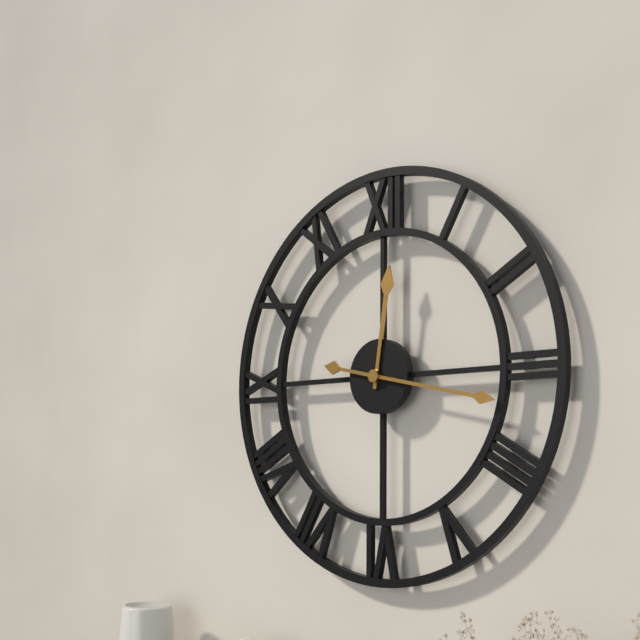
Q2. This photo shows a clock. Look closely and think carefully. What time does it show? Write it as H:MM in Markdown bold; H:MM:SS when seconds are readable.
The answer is **12:17**
